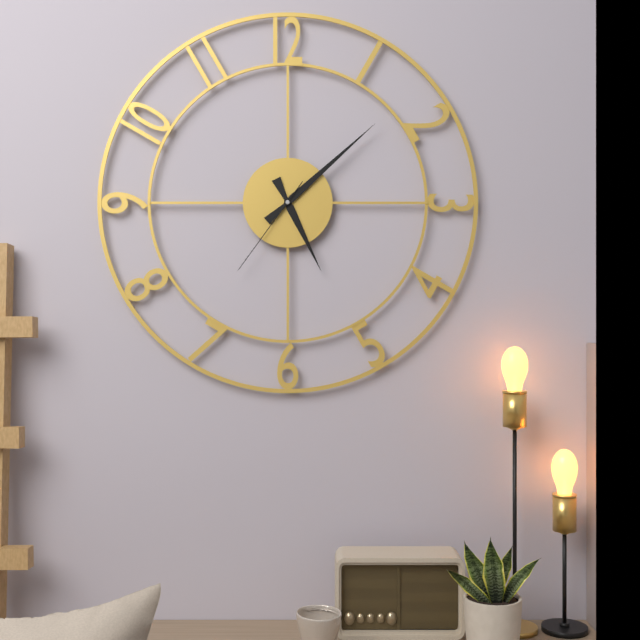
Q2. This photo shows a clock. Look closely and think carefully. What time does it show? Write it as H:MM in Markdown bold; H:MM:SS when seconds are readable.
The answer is **5:08:36**
